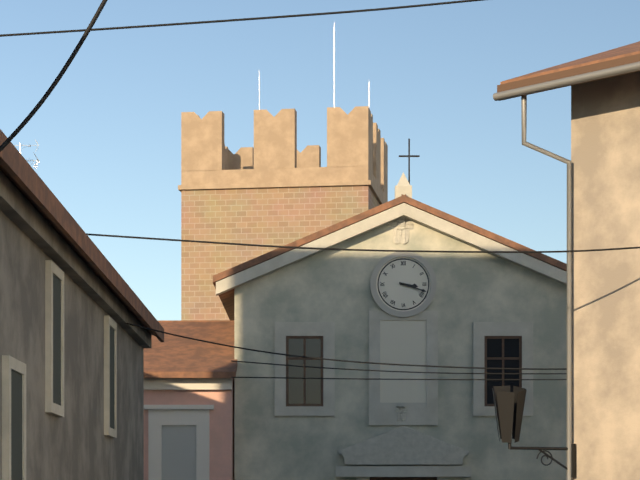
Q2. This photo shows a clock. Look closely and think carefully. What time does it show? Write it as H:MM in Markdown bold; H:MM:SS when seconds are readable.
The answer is **3:18**
